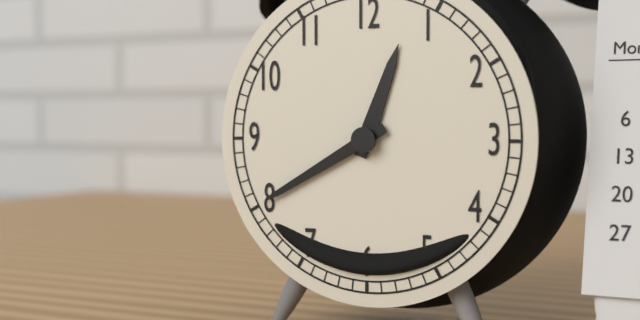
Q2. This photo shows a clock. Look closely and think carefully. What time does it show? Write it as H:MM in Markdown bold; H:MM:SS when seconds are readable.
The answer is **12:40**
